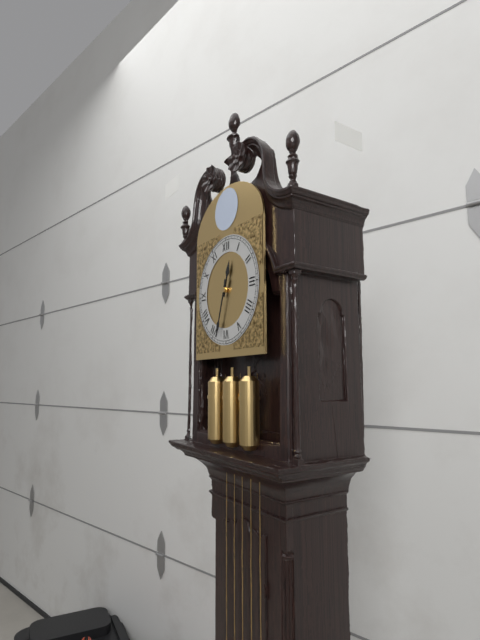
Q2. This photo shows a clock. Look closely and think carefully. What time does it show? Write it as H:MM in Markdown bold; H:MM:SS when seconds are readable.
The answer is **12:33**
